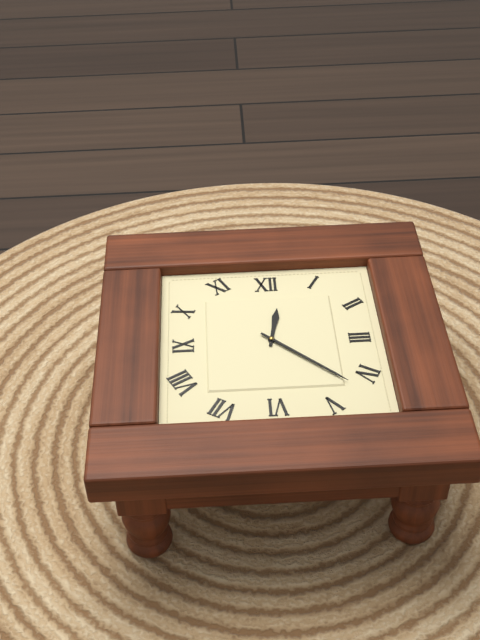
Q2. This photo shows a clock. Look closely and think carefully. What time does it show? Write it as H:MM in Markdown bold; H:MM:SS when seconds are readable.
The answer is **12:22**
